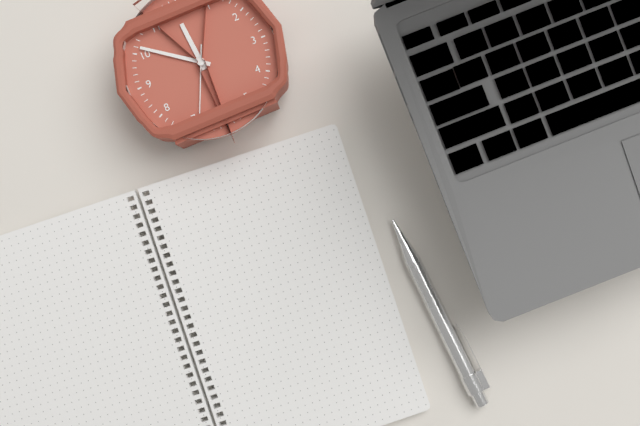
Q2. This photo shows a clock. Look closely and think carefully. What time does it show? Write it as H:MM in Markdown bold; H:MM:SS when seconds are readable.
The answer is **11:51:34**
